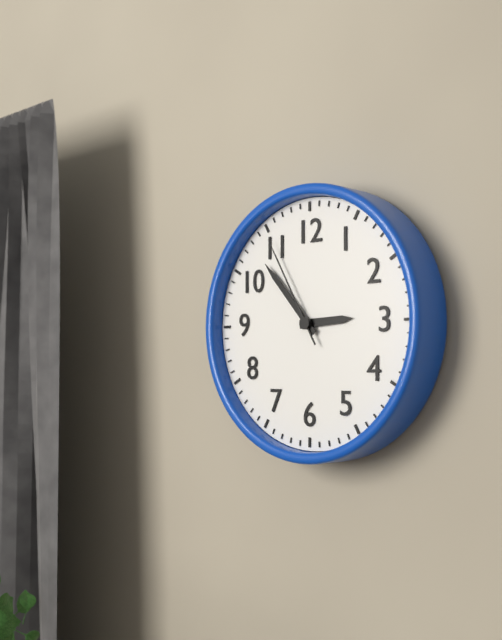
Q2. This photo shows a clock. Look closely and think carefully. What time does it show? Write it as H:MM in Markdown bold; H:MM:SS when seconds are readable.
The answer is **2:53:55**
